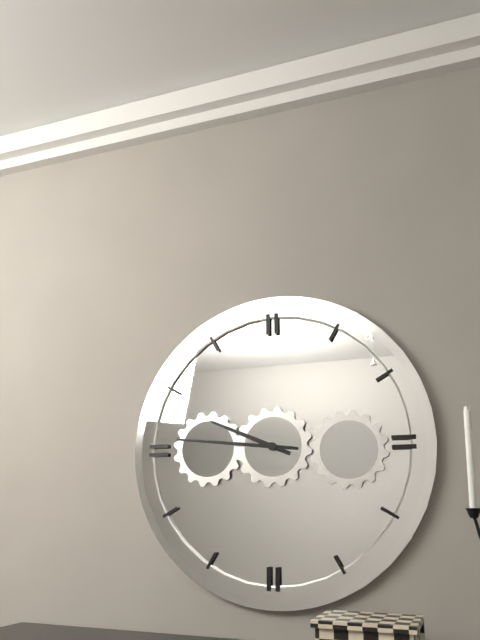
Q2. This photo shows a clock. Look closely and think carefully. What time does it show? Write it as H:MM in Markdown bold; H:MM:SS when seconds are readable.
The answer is **9:46**
